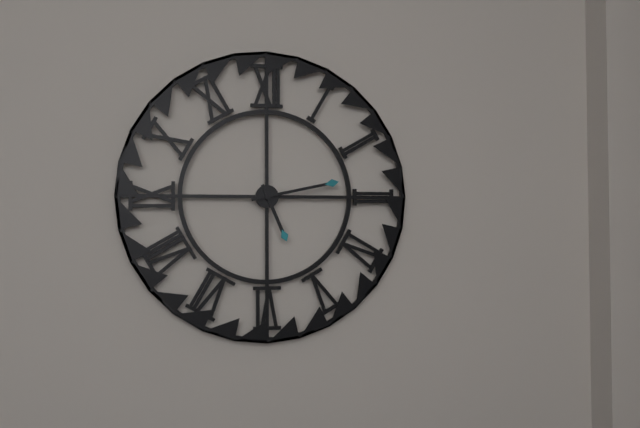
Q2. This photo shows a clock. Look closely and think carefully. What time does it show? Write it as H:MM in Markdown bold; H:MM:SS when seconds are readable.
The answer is **5:13**
